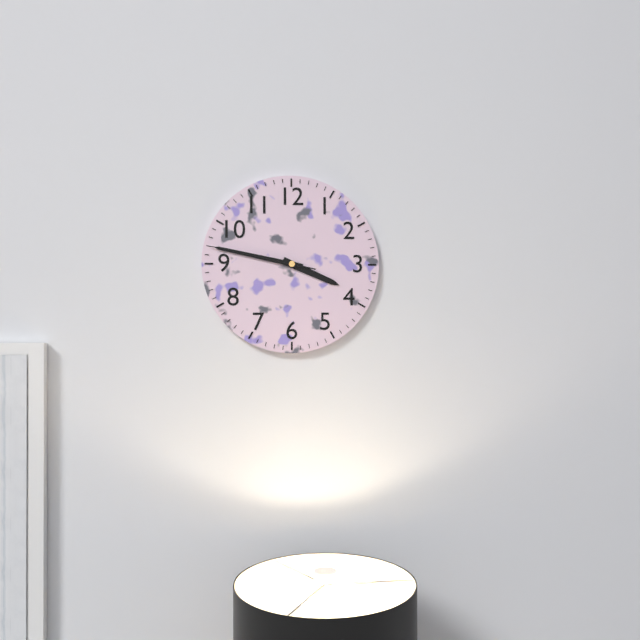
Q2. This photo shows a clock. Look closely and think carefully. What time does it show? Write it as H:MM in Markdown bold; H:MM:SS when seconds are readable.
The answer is **3:47:47**
